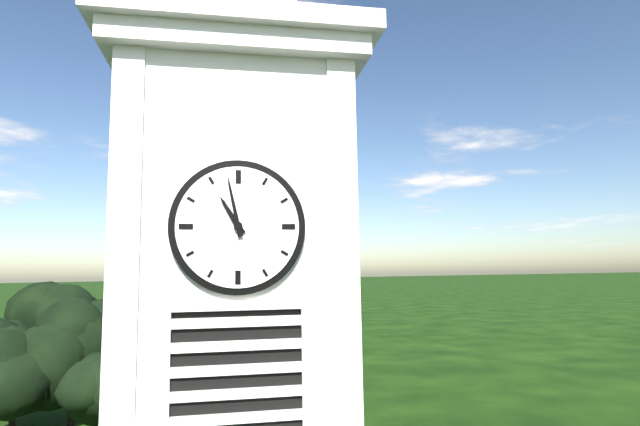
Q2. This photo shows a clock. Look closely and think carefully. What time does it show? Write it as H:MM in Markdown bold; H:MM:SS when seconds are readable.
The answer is **10:58**
